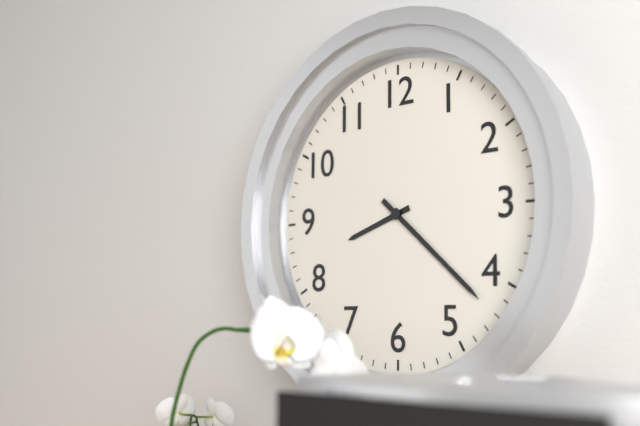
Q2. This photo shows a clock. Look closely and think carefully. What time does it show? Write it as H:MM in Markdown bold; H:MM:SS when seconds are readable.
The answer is **8:22**
